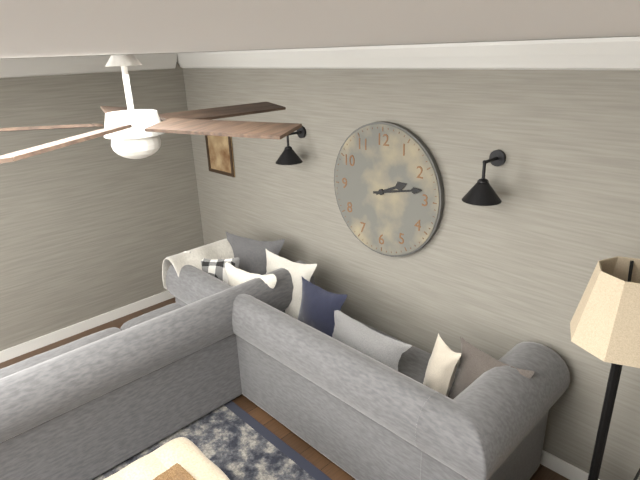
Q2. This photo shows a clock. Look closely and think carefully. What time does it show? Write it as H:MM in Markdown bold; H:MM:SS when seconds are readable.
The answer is **2:13**
